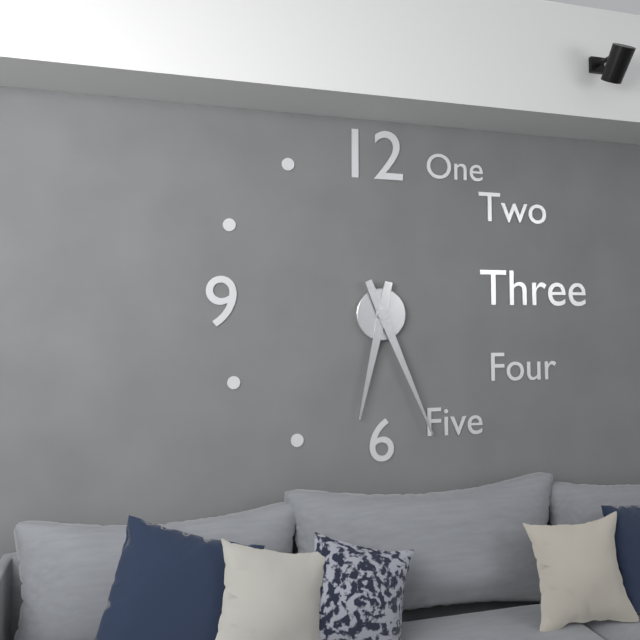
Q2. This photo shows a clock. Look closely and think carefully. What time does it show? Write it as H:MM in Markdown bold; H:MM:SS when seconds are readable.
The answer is **6:26**
